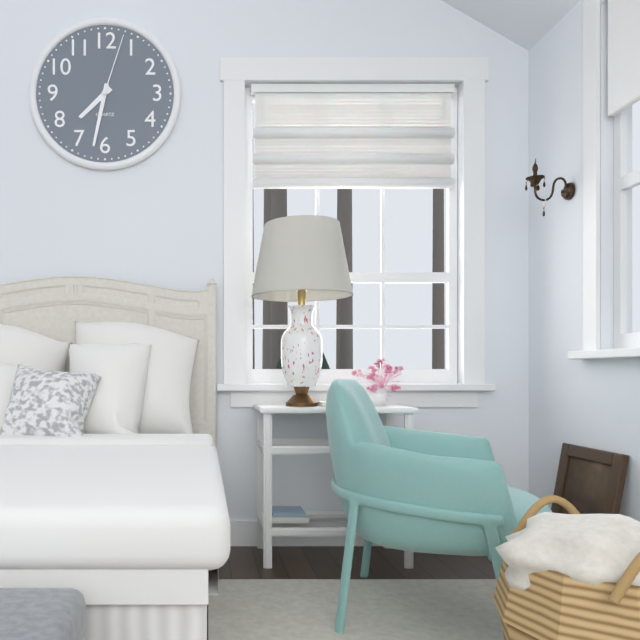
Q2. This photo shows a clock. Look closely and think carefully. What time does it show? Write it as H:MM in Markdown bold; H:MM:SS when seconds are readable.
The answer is **7:32:03**
